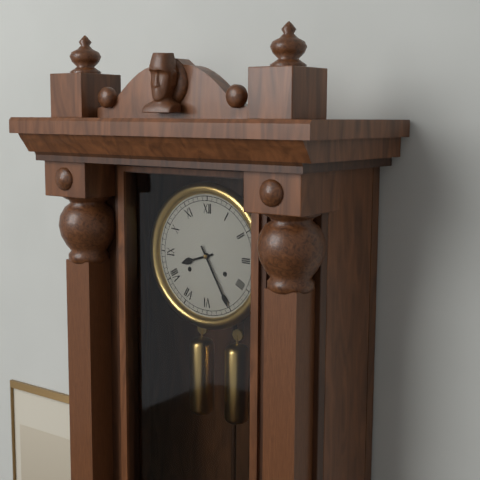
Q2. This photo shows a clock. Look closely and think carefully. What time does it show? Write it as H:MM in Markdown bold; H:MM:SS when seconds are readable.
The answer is **8:25**
